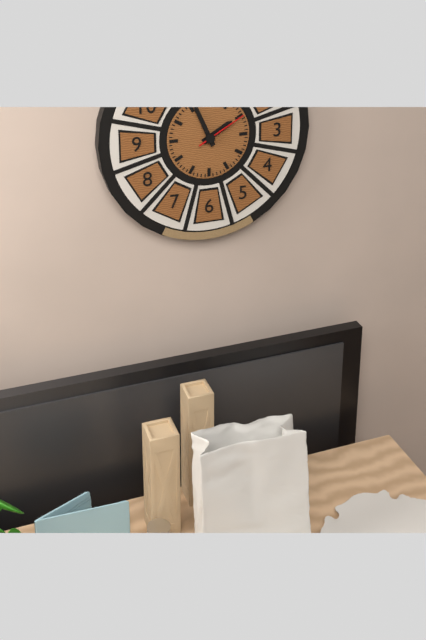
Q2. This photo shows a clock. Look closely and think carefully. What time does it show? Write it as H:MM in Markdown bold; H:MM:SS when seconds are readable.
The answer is **1:56:10**
